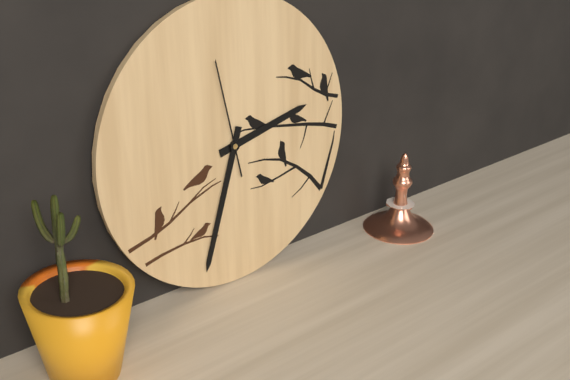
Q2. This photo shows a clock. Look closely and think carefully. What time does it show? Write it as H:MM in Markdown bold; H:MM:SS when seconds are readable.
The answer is **2:33:58**
